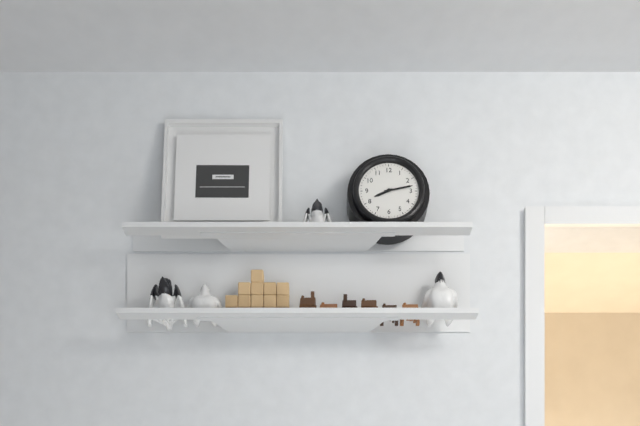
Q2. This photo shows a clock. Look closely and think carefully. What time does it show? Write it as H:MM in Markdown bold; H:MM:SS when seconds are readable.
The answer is **8:13**
